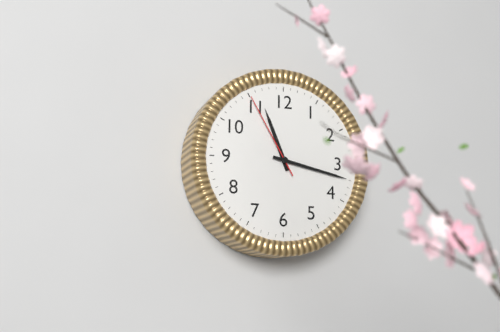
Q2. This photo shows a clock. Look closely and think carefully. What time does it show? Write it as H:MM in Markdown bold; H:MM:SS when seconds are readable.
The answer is **11:17:55**
